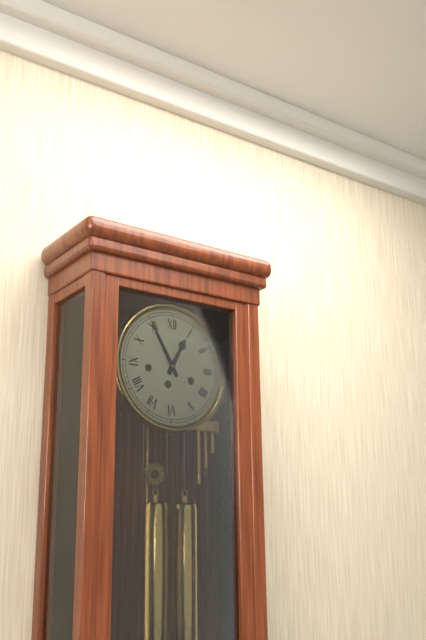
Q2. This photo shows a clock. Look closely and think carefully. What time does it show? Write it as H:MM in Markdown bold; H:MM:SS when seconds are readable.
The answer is **12:55**
